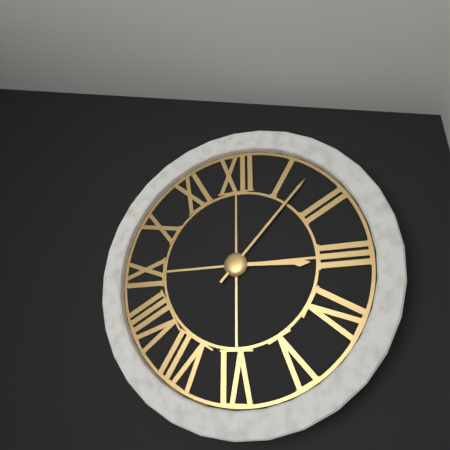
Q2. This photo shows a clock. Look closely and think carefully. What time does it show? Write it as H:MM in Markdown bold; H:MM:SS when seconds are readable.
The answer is **3:07**
